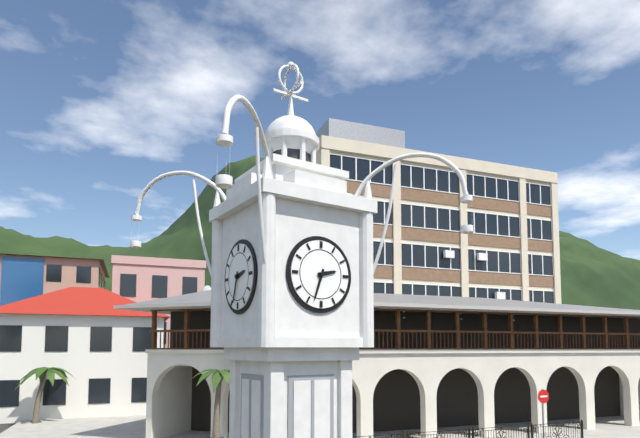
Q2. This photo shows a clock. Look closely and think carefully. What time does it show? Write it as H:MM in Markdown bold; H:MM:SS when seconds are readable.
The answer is **2:33**
